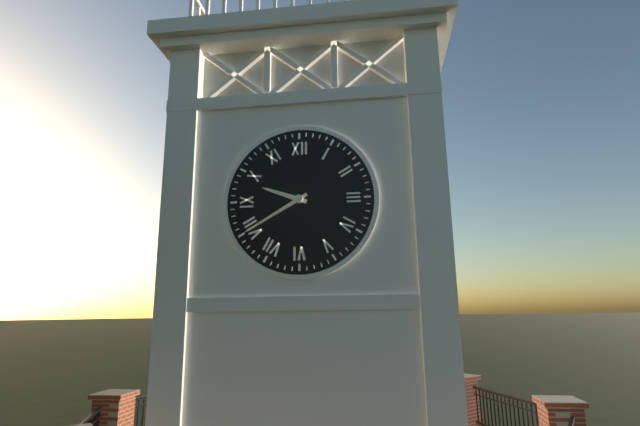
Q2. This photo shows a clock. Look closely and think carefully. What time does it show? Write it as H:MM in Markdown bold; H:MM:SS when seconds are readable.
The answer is **9:40**
